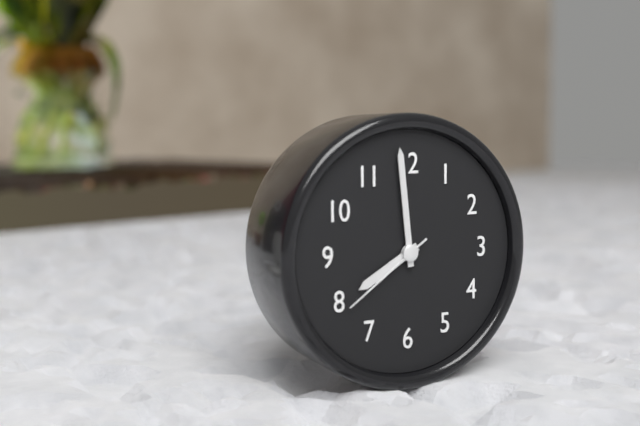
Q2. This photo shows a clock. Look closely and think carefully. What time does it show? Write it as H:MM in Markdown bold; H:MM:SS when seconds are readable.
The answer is **7:59:39**
